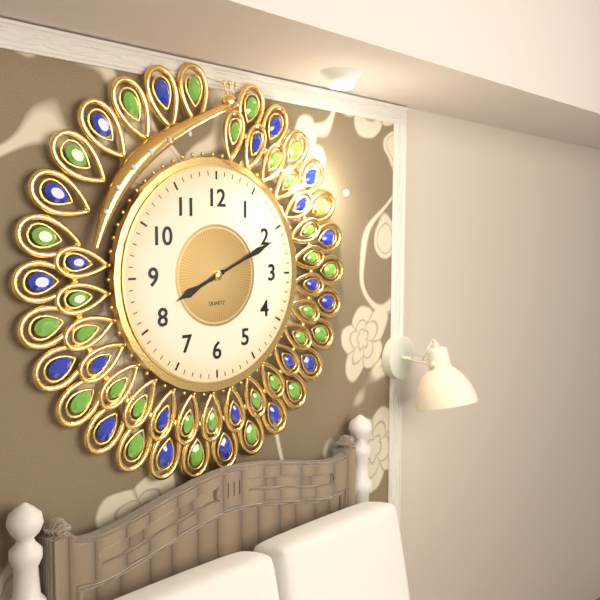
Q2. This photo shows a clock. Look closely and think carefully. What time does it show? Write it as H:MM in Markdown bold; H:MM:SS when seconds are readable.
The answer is **8:11**
